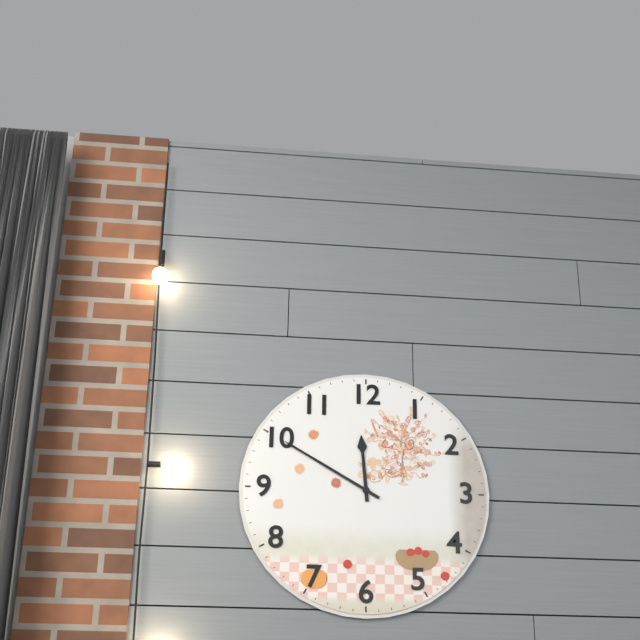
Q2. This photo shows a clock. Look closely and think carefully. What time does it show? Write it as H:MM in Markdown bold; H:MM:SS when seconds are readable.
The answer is **11:50**
